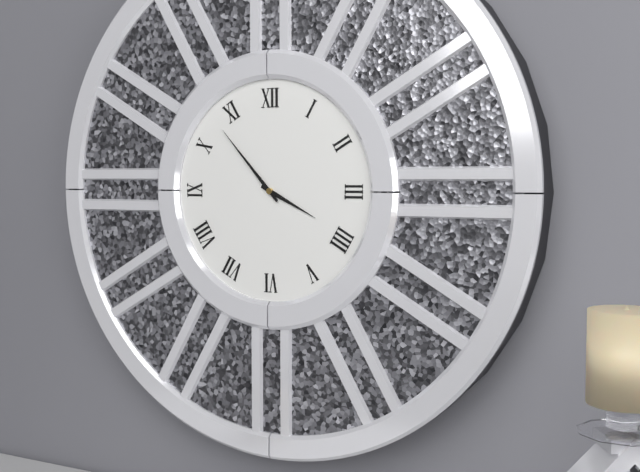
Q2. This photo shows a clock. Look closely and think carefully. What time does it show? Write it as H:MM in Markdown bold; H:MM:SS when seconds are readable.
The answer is **3:53**
